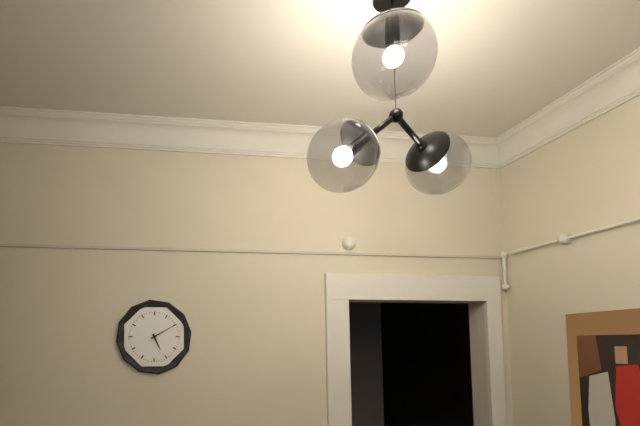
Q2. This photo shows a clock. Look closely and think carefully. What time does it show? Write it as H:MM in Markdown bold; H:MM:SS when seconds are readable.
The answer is **5:10**
